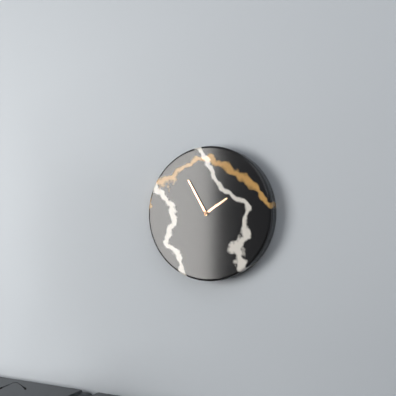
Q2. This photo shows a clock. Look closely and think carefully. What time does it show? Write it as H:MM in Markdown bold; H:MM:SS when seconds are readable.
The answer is **1:55**
